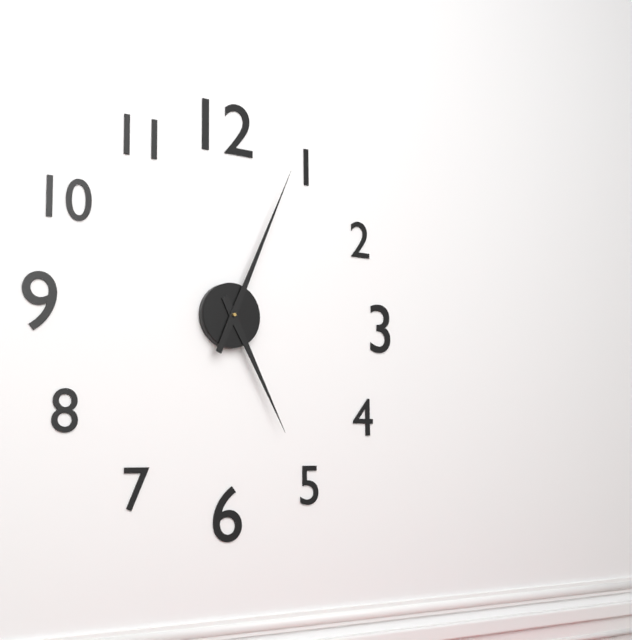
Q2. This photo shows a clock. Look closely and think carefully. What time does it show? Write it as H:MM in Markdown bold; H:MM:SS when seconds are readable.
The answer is **5:04**
